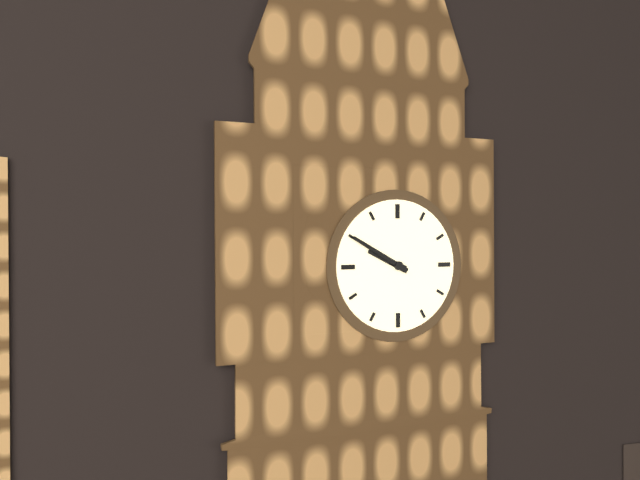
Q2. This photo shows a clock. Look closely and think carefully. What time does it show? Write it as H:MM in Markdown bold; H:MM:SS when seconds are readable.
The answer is **9:50**
